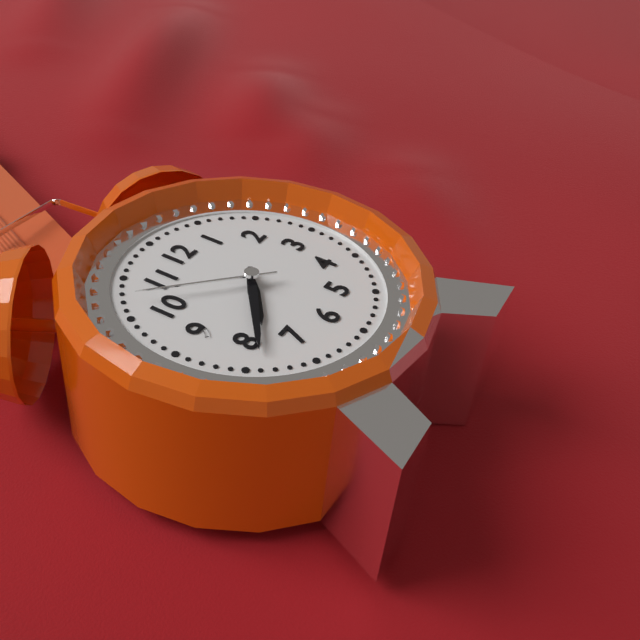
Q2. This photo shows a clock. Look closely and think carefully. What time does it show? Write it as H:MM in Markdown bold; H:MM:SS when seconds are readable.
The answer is **7:39:52**
